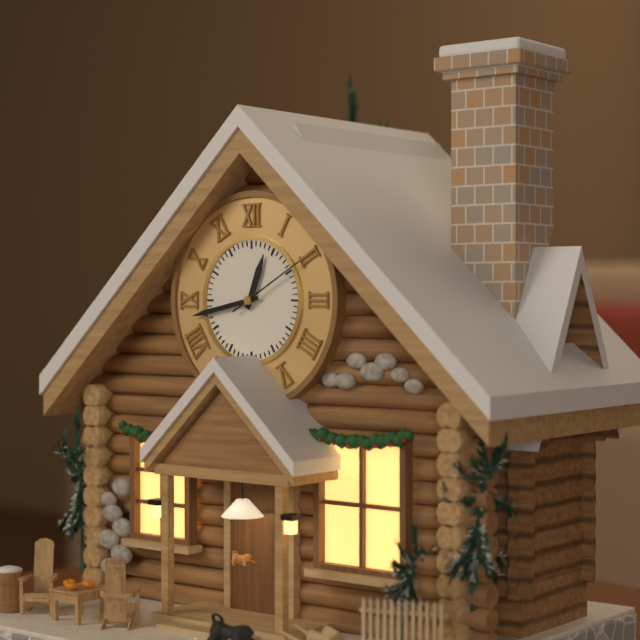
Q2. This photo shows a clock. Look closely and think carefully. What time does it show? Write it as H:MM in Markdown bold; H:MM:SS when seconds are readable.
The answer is **12:43:10**
